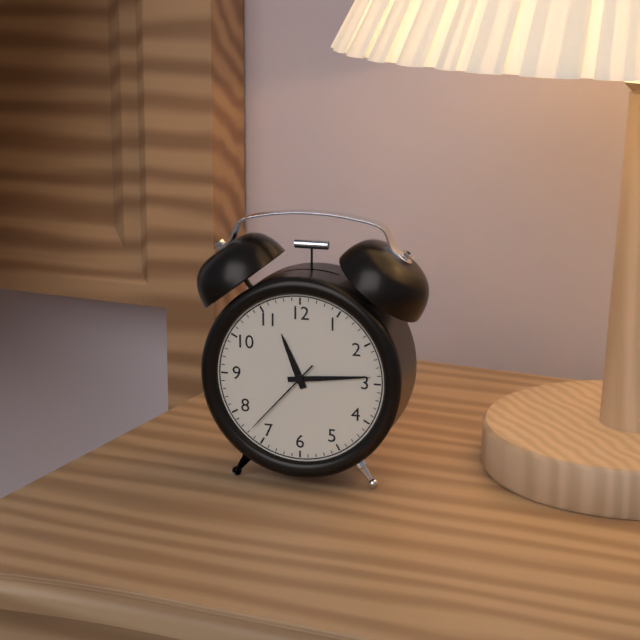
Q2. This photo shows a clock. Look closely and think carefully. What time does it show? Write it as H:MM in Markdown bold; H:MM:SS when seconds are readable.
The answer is **11:14:37**
